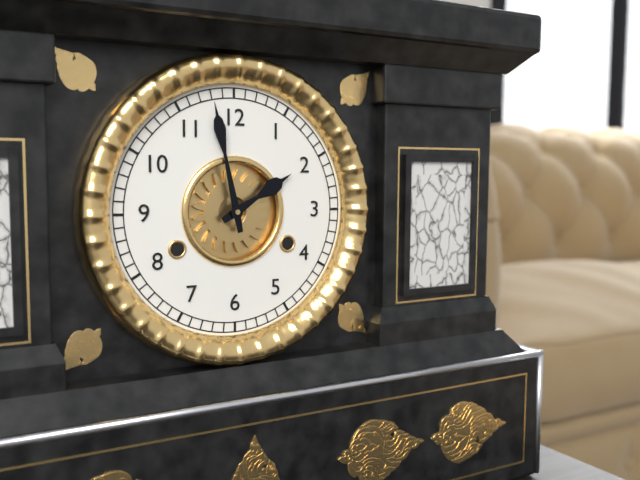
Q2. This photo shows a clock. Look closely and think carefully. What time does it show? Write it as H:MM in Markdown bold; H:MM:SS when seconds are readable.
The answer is **1:58**
